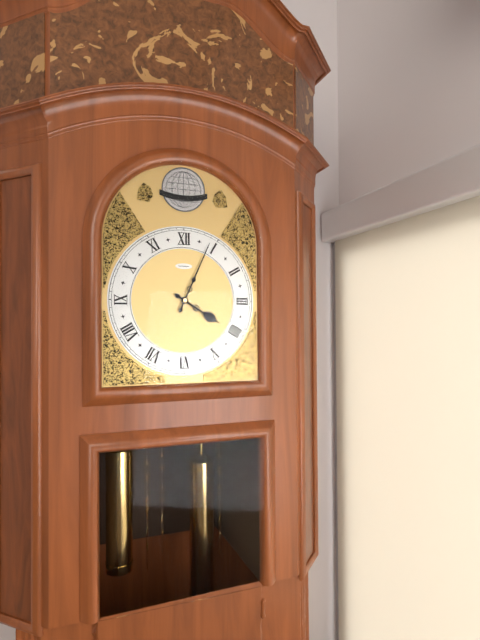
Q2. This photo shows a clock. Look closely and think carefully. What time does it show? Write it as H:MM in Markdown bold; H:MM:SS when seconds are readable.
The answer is **4:04**
